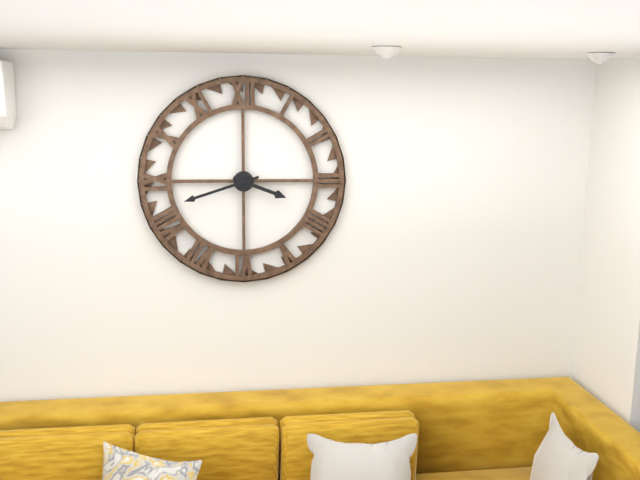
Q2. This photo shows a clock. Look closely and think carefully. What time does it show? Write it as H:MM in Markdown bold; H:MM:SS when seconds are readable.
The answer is **3:42**
